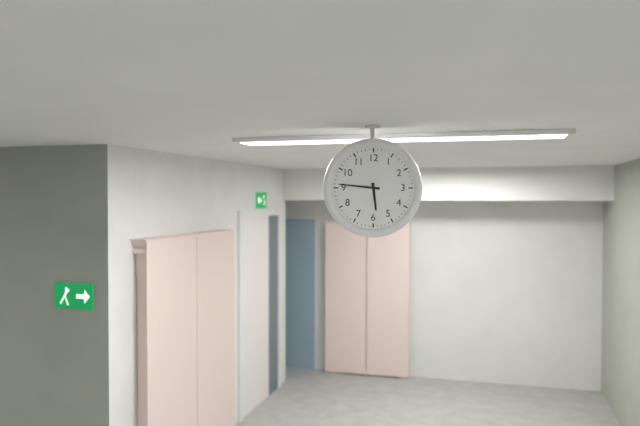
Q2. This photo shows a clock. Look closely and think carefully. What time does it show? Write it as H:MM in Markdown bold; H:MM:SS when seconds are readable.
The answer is **5:46**
